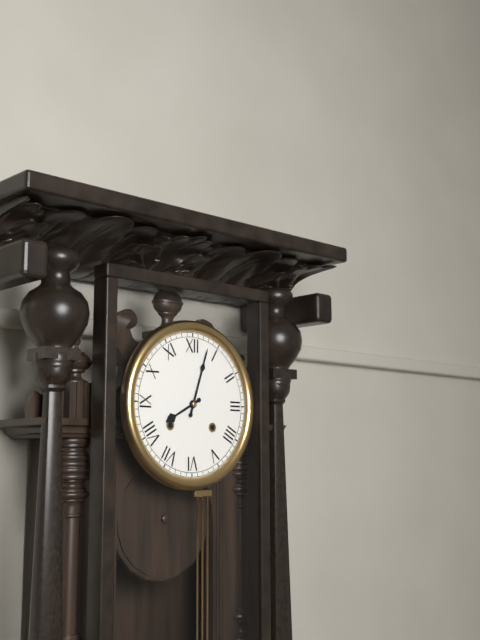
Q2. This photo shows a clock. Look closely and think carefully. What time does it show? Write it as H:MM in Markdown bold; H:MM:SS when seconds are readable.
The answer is **8:03**
